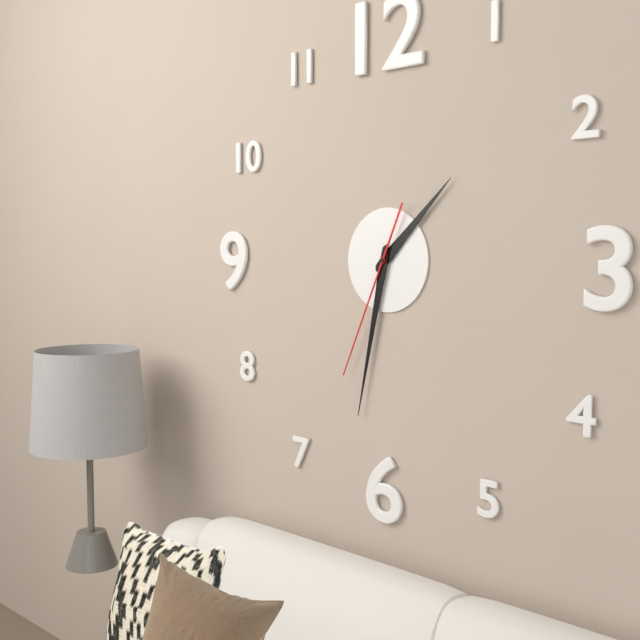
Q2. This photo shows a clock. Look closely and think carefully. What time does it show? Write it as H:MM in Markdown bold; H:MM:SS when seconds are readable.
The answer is **1:32:34**
